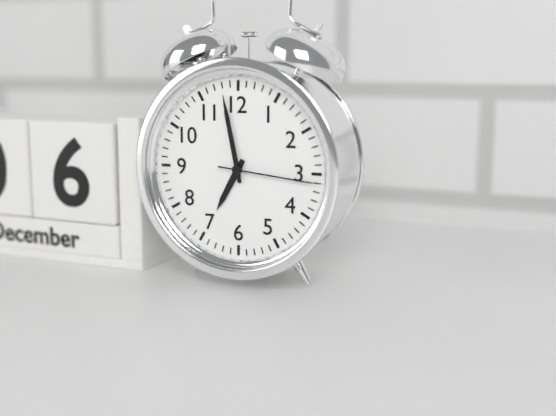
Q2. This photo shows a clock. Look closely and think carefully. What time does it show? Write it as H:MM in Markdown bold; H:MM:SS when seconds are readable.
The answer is **6:58:16**
